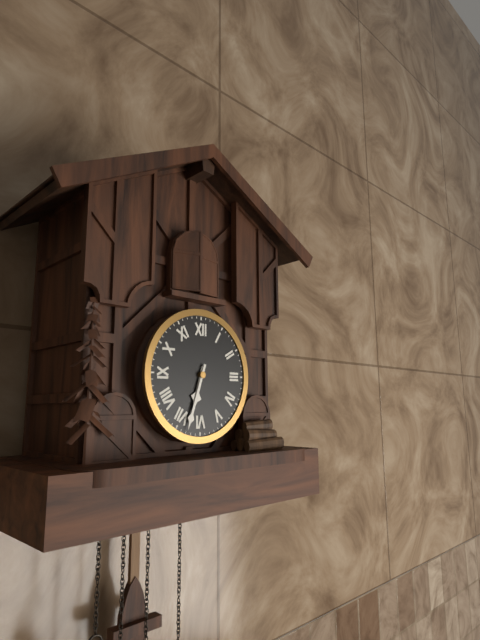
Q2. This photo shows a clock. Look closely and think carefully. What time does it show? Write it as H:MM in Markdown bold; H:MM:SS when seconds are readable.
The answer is **6:33**
